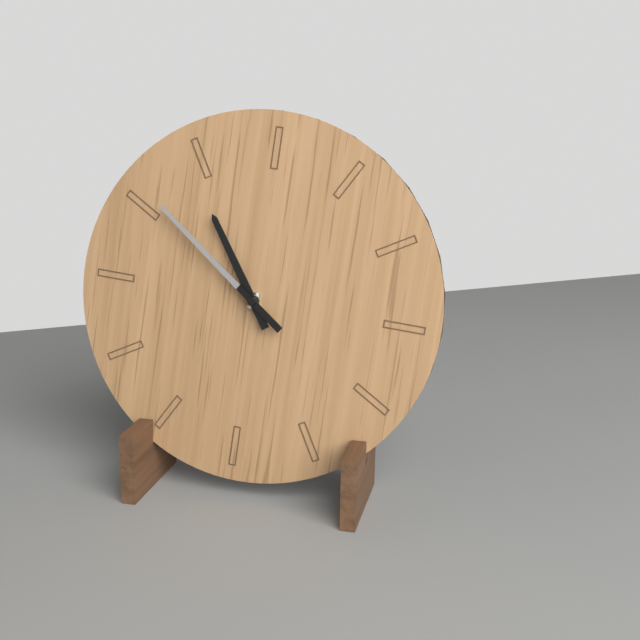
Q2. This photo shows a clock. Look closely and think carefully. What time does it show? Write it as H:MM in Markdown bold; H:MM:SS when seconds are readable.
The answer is **10:51**
